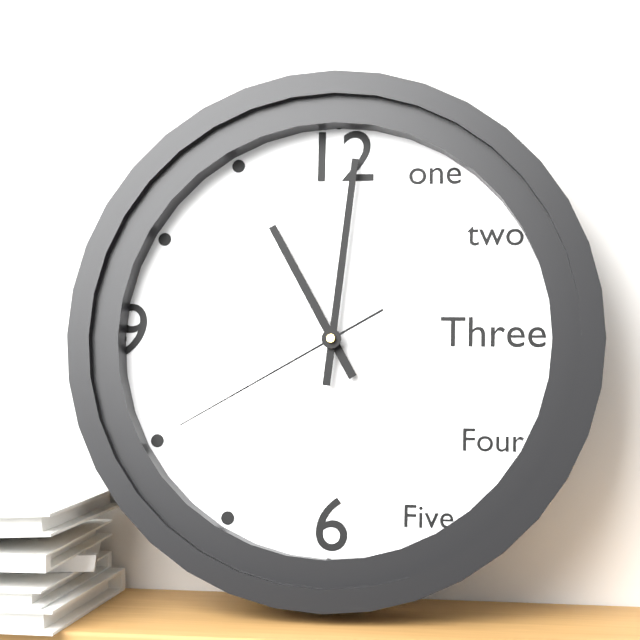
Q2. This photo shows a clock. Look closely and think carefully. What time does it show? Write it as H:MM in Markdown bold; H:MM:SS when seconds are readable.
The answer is **11:01:40**
